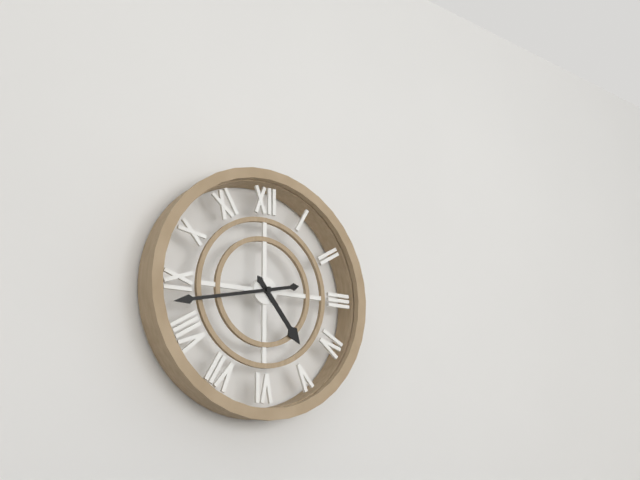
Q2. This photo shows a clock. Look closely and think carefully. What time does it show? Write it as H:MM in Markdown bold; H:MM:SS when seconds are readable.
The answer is **4:43**
